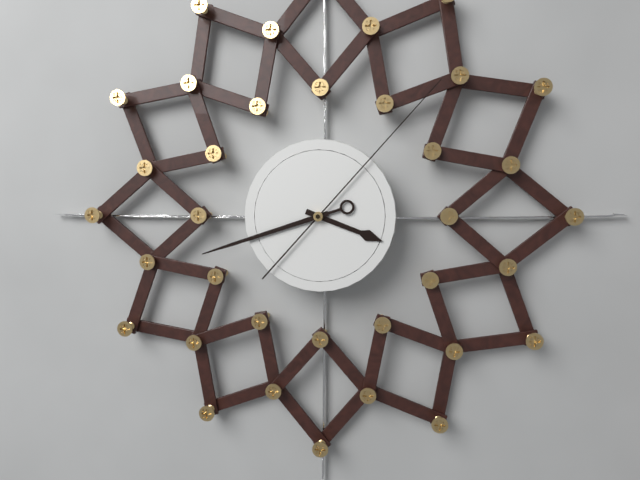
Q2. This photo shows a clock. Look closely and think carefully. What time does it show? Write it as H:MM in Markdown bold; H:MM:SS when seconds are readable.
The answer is **3:42:07**
